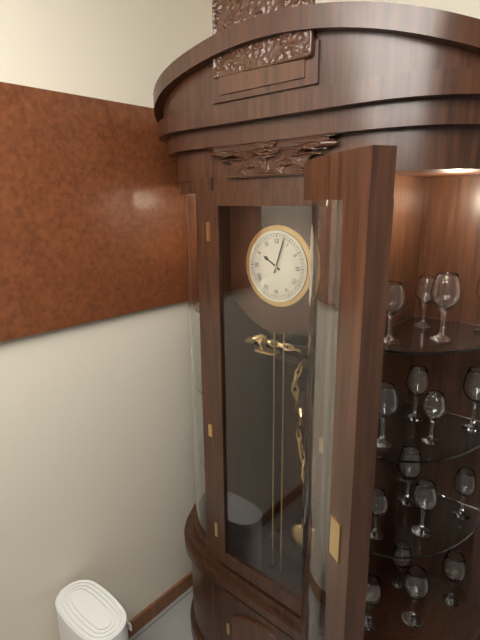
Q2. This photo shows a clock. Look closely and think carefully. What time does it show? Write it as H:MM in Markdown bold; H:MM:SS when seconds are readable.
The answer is **10:03**
